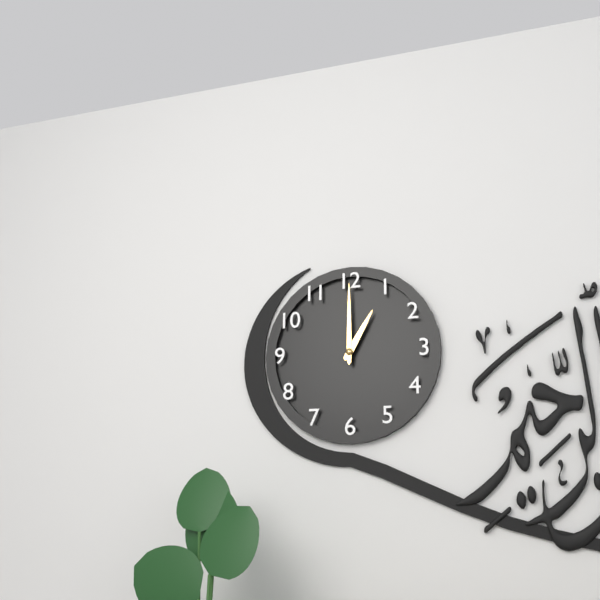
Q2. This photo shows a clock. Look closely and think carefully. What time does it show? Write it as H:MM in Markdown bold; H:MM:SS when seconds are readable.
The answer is **1:00**
